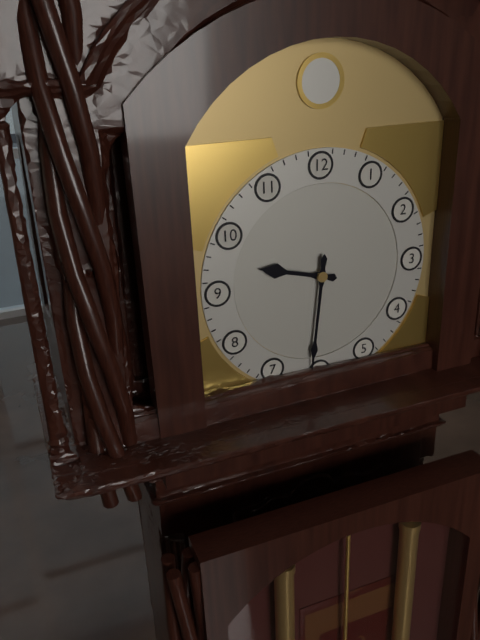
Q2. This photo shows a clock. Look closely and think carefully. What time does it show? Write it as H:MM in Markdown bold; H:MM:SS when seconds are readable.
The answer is **9:31**
